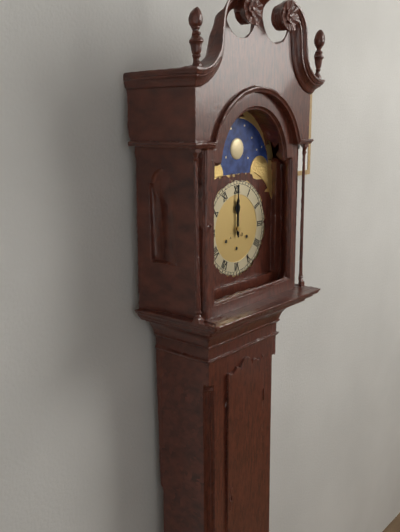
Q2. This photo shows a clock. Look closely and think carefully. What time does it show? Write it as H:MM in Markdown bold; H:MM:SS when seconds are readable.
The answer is **12:00**
